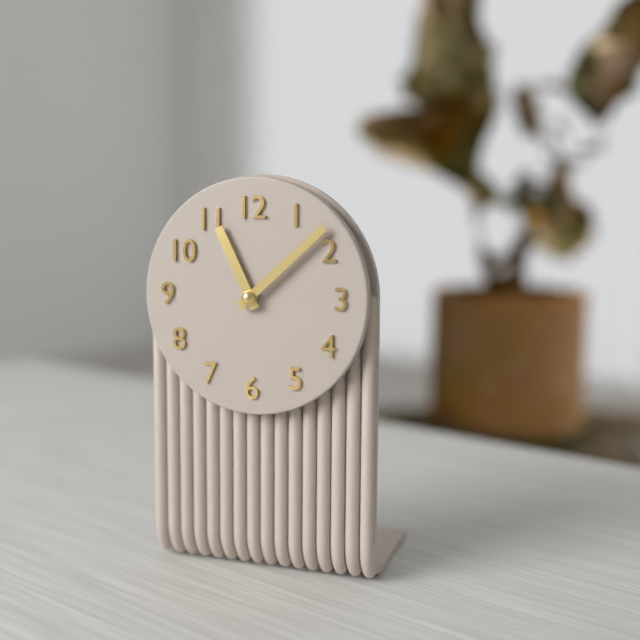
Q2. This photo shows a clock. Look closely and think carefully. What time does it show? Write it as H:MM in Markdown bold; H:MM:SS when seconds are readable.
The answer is **11:08**
